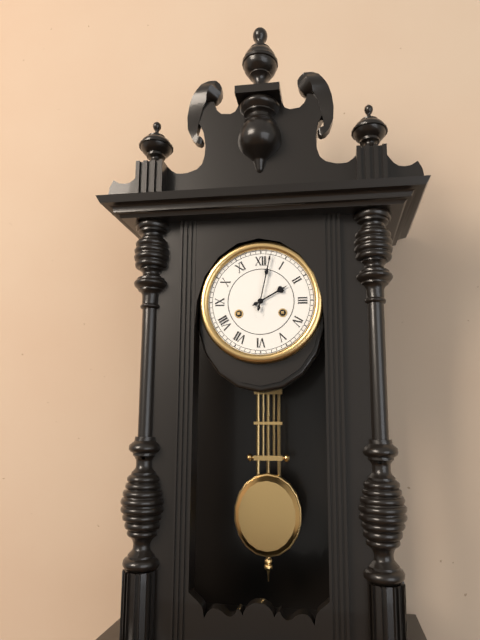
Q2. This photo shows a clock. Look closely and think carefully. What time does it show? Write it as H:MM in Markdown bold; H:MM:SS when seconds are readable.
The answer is **2:02**
